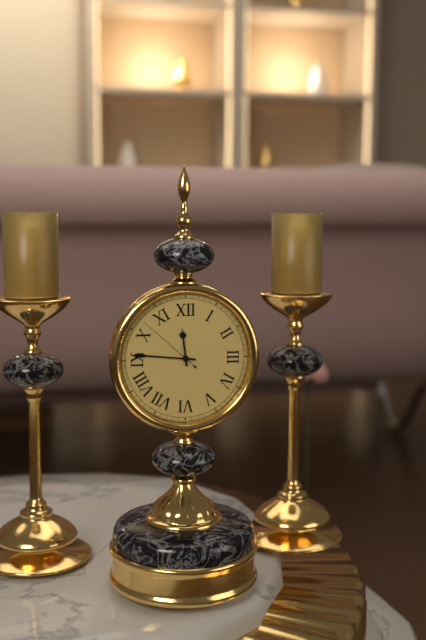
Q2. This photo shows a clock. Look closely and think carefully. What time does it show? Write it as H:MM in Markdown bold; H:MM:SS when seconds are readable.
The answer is **11:46:52**
